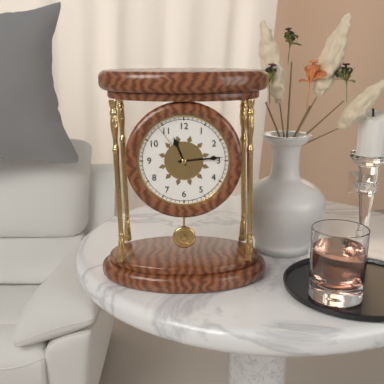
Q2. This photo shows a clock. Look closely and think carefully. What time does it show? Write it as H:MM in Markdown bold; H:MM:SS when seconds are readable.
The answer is **11:14:54**
